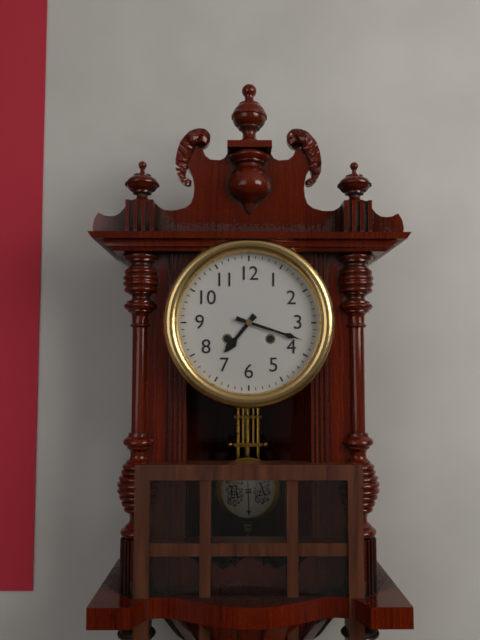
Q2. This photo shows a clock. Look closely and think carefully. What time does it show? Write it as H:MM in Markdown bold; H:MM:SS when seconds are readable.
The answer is **7:18**
